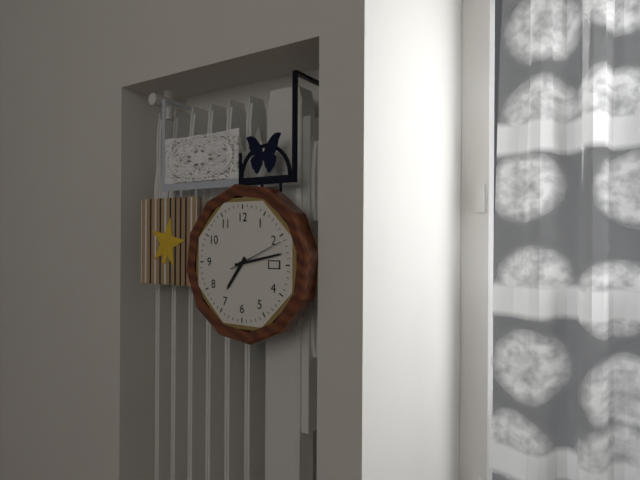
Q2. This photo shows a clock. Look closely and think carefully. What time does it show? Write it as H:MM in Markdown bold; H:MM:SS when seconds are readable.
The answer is **7:13**
